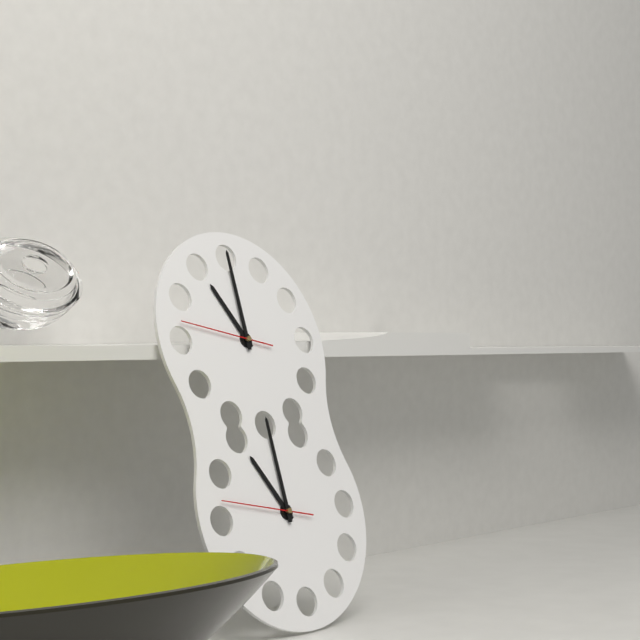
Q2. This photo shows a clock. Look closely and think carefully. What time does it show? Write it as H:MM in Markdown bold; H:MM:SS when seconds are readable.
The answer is **11:00:47**
